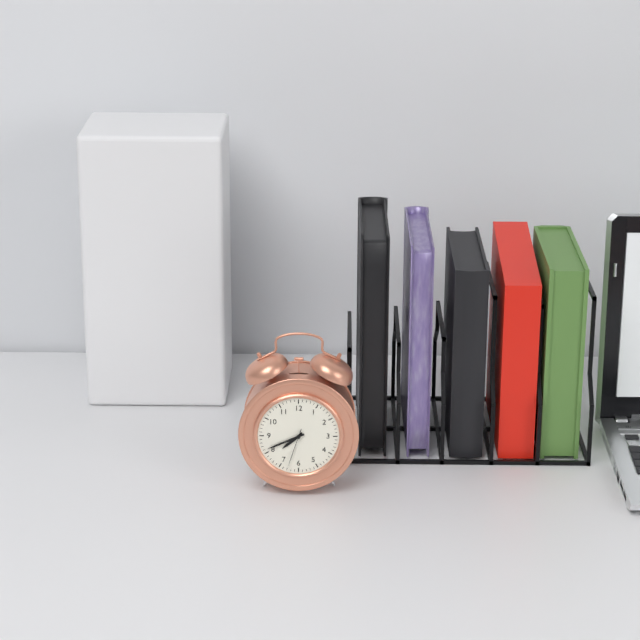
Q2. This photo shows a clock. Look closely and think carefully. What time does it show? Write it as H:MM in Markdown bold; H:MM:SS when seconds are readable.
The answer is **7:41**
